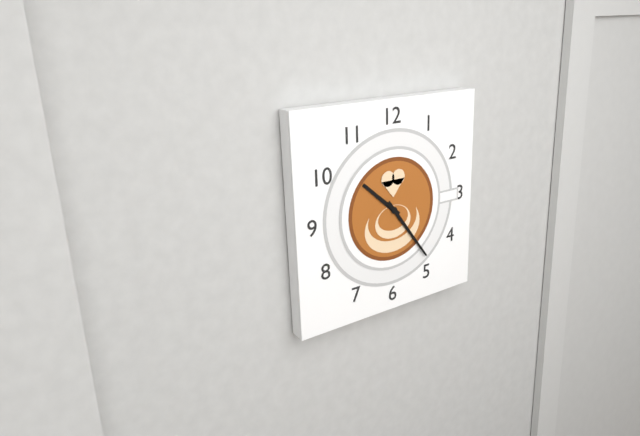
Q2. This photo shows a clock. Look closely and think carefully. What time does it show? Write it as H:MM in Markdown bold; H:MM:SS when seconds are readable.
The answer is **10:24**
